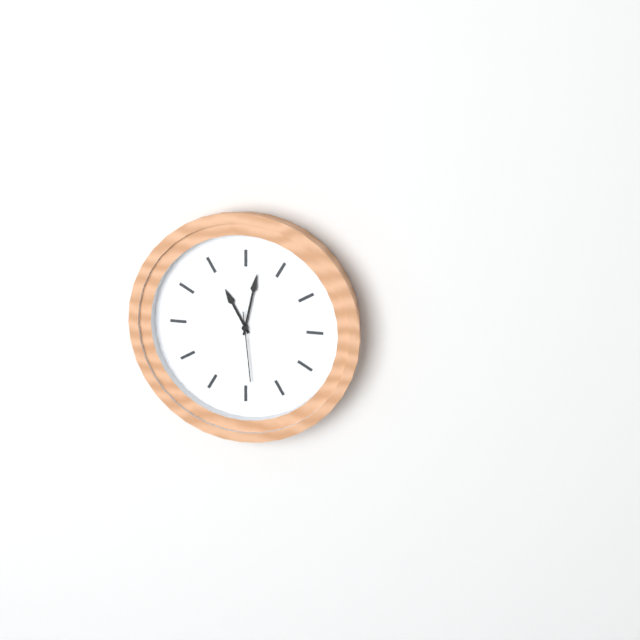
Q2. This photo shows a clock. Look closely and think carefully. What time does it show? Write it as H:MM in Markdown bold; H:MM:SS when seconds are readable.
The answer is **11:02:29**
